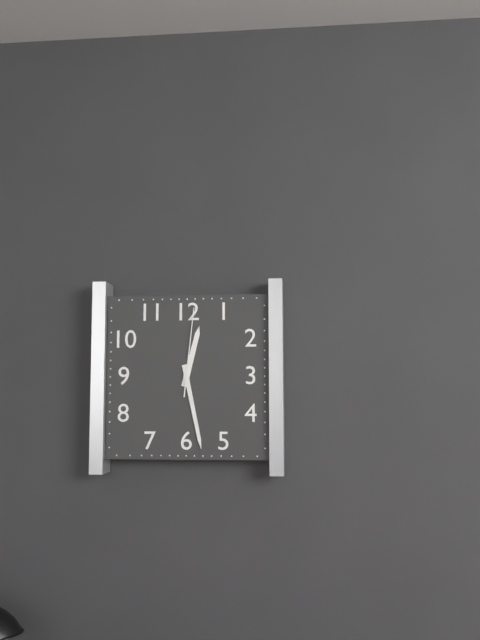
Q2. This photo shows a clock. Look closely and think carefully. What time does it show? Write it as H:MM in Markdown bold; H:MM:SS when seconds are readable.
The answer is **12:28:01**
